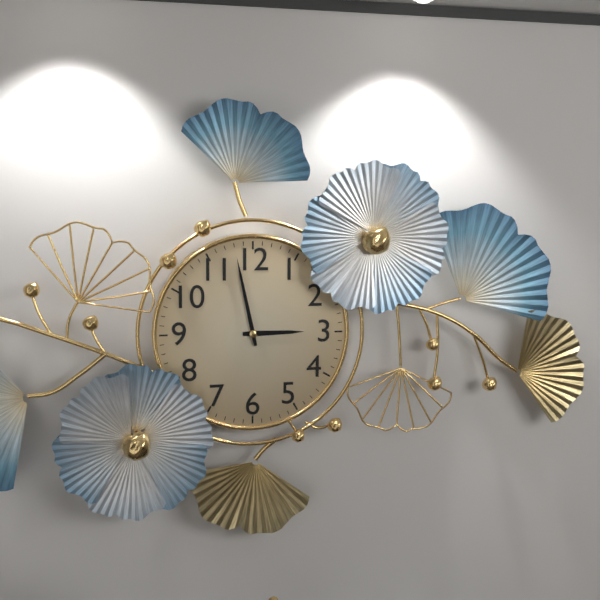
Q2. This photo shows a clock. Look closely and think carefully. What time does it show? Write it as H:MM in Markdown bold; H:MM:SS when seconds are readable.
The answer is **2:58**
